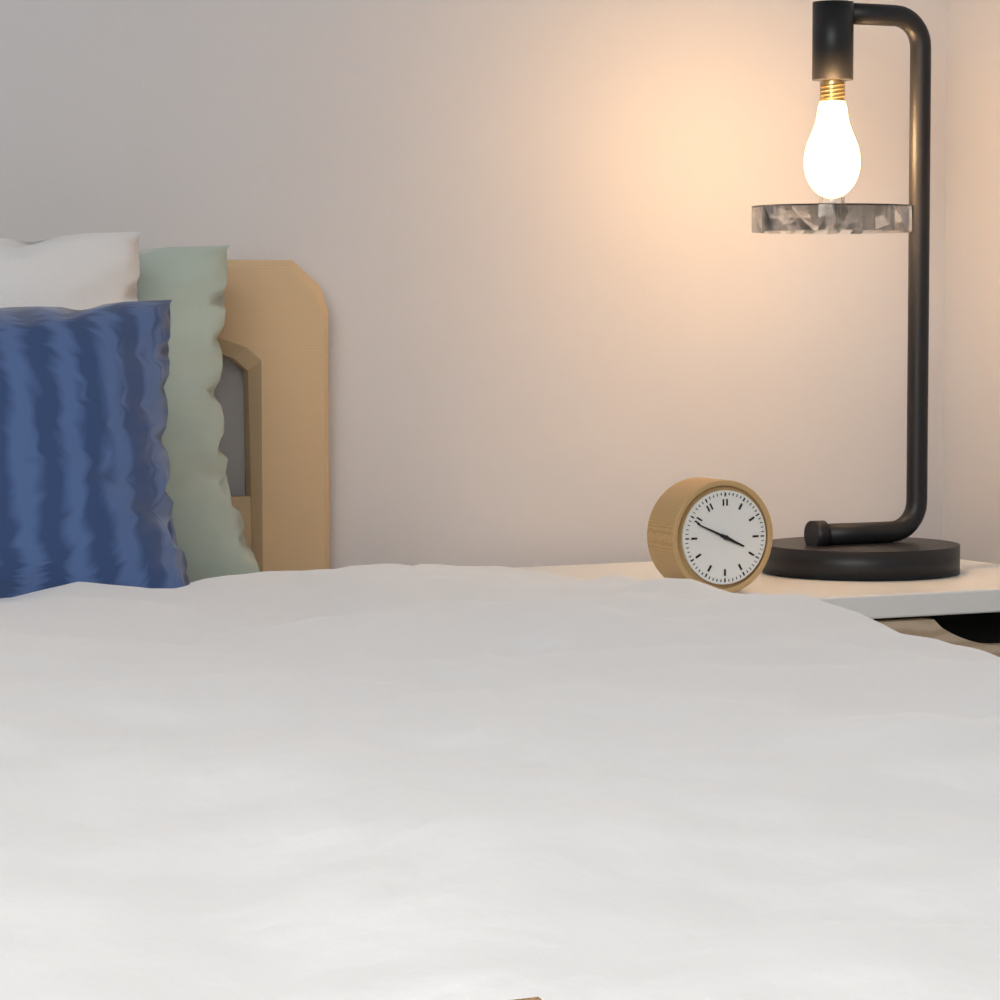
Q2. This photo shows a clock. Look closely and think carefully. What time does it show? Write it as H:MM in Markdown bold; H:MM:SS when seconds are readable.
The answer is **3:49**
